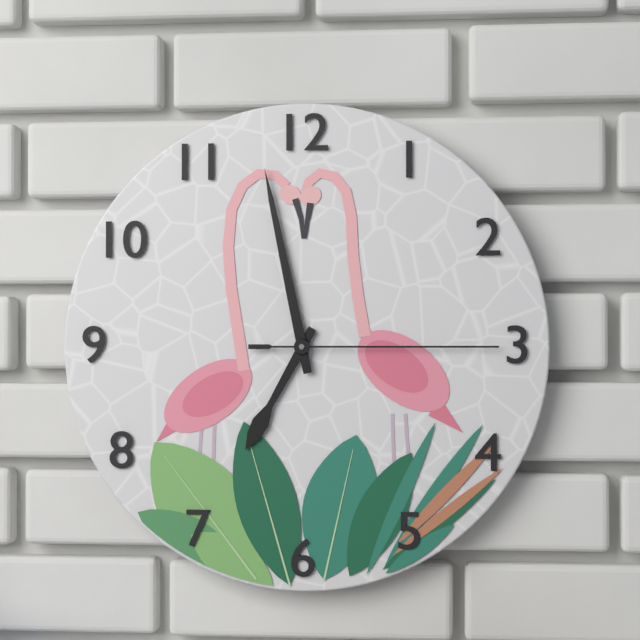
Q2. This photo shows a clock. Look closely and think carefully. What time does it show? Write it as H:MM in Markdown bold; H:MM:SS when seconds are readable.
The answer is **6:58:15**
